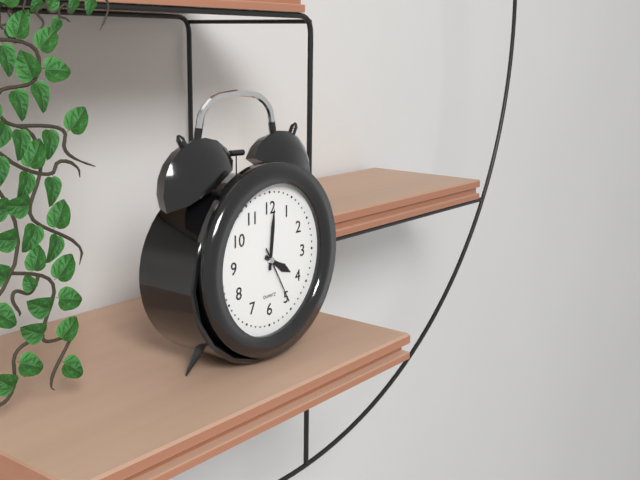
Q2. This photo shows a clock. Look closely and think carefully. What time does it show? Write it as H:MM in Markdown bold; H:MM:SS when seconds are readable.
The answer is **4:01:25**
